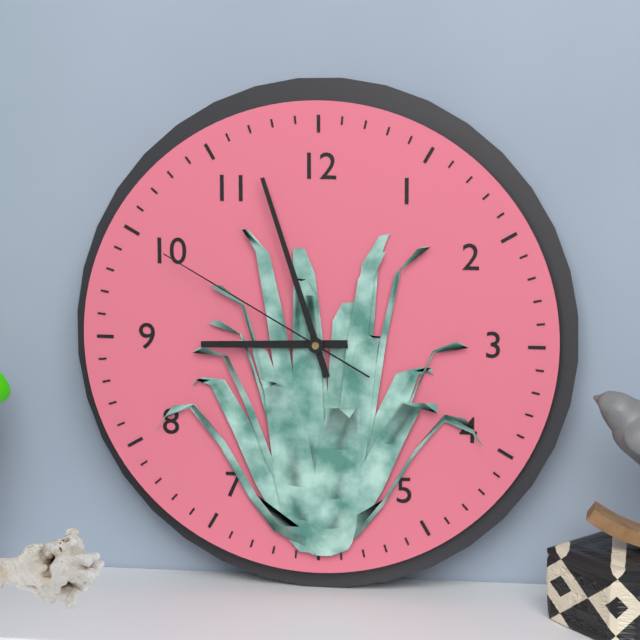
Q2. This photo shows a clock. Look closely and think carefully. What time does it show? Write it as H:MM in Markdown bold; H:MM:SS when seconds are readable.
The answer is **8:57:50**
